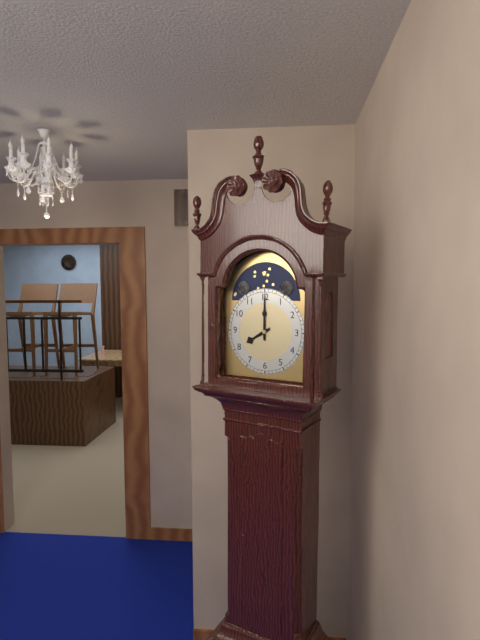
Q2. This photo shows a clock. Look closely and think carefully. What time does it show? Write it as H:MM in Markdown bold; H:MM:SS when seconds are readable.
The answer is **8:00**
